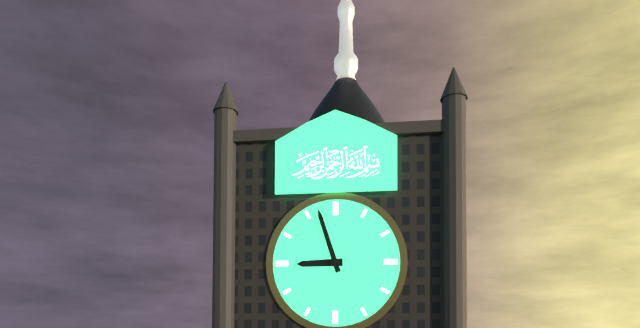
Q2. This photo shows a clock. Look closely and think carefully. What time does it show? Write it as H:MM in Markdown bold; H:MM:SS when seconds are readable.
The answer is **8:57**
